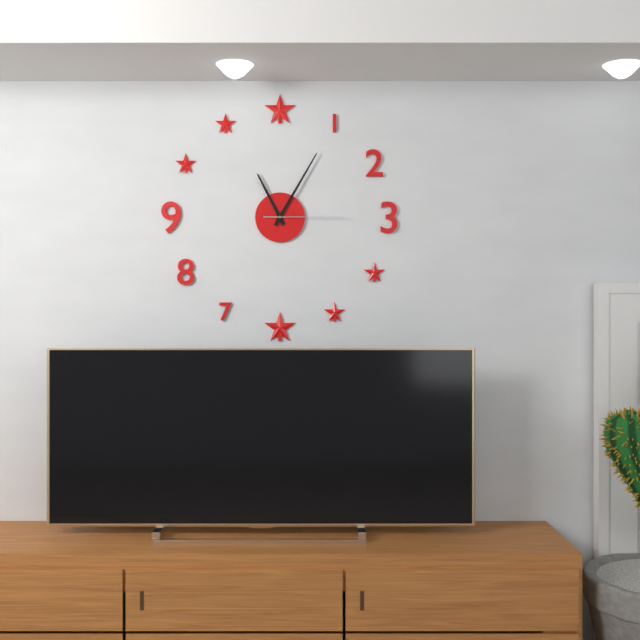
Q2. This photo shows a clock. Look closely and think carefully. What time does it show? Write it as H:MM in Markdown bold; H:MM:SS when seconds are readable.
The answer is **11:05:15**
